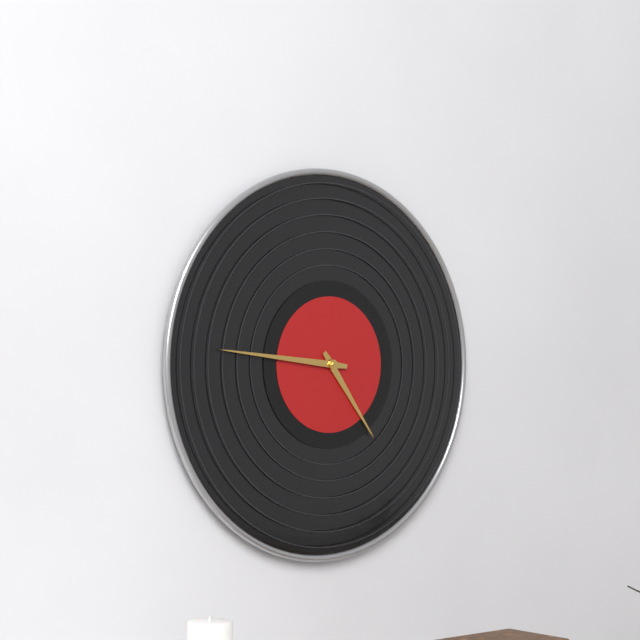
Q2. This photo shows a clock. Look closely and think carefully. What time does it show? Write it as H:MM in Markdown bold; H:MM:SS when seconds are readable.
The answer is **4:46**
